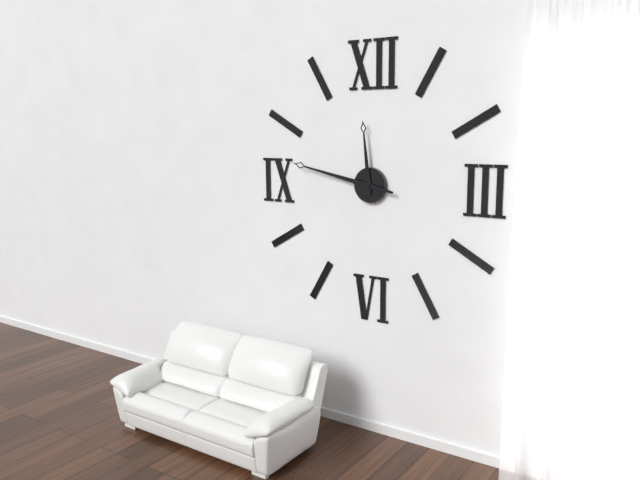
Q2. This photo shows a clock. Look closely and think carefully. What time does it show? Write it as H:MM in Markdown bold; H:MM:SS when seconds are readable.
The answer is **11:47**
